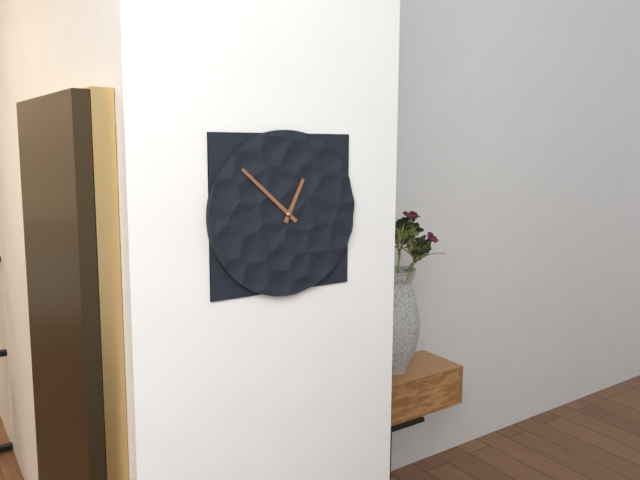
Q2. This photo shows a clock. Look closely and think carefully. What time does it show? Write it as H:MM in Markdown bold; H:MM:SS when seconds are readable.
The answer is **12:52**
